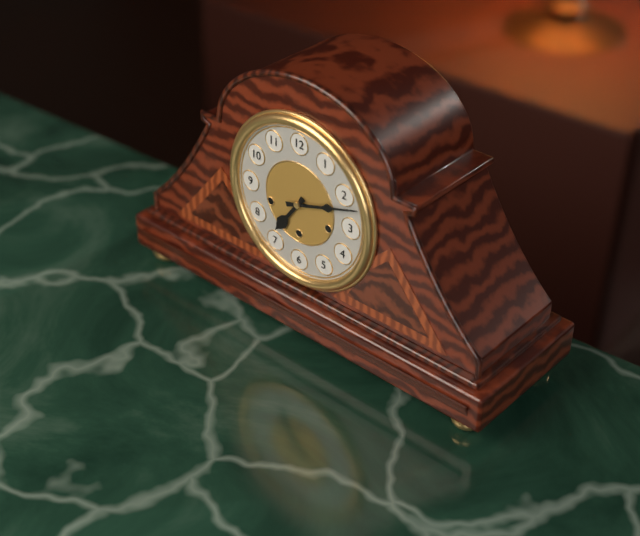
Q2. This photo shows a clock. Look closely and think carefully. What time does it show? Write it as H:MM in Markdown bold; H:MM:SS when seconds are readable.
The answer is **7:12**
